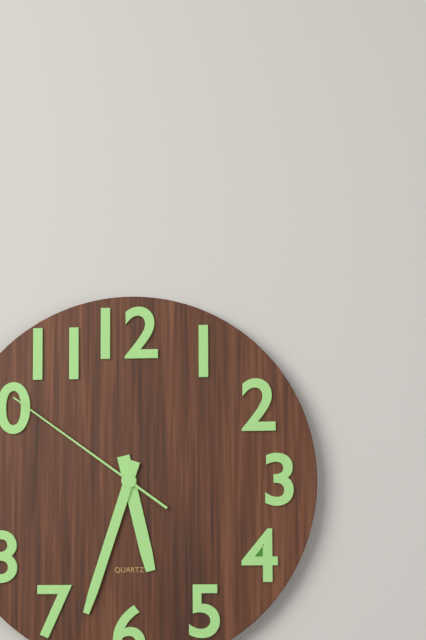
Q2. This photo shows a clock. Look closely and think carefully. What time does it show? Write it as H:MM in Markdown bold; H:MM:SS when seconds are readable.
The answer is **5:33:51**
